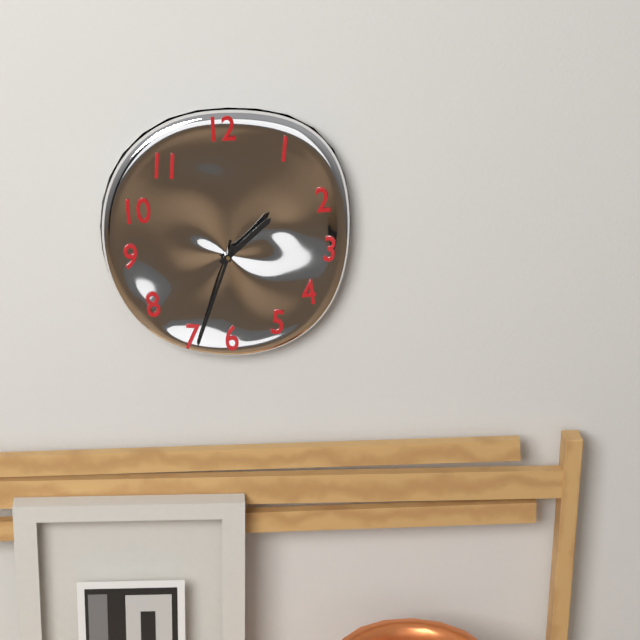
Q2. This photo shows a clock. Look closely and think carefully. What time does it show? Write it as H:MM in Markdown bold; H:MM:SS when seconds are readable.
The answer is **1:33**
